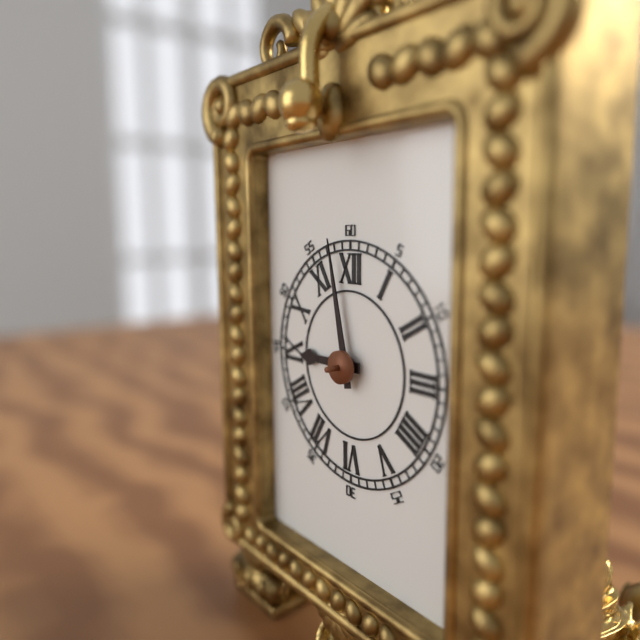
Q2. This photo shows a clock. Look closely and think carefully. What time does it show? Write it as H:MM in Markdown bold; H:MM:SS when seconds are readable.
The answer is **8:58**
